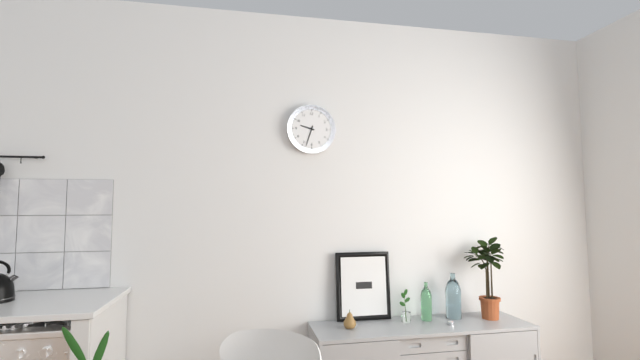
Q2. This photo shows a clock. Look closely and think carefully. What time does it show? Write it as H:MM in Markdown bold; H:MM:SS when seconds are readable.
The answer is **9:33**
